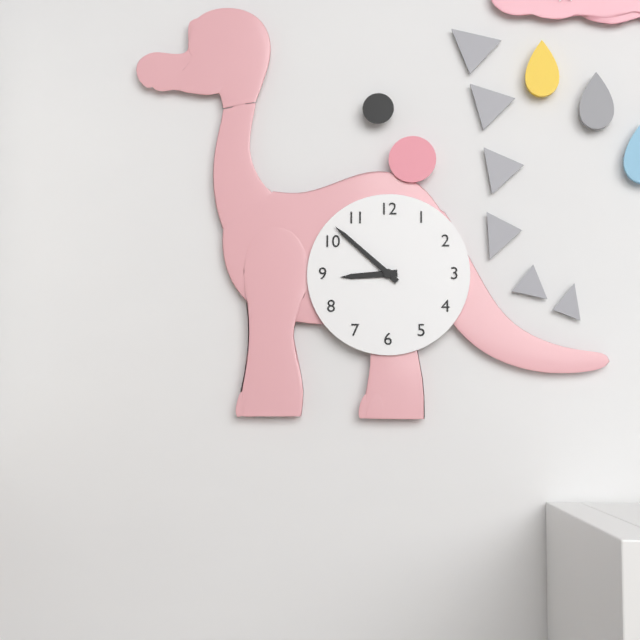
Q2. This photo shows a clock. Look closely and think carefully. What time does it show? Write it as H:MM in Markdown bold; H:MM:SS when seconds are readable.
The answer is **8:52**
